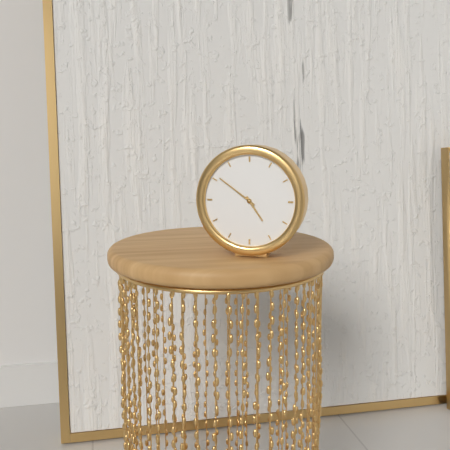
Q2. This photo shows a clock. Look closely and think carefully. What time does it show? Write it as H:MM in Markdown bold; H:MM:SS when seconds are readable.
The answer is **4:51**
